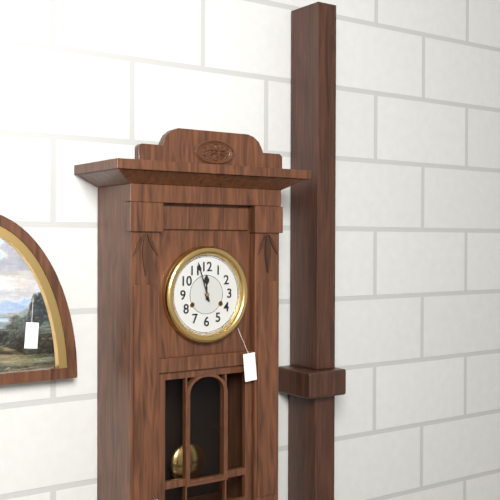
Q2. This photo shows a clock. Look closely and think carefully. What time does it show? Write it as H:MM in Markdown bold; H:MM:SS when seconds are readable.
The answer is **11:57**
